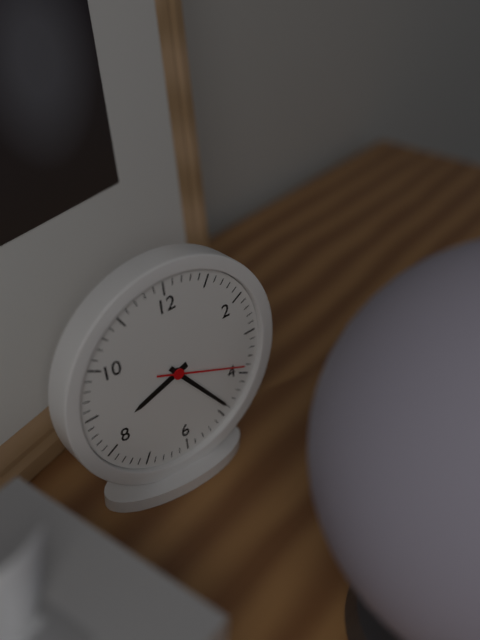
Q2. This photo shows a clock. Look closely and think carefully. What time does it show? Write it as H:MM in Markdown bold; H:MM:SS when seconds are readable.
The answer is **8:24:19**
